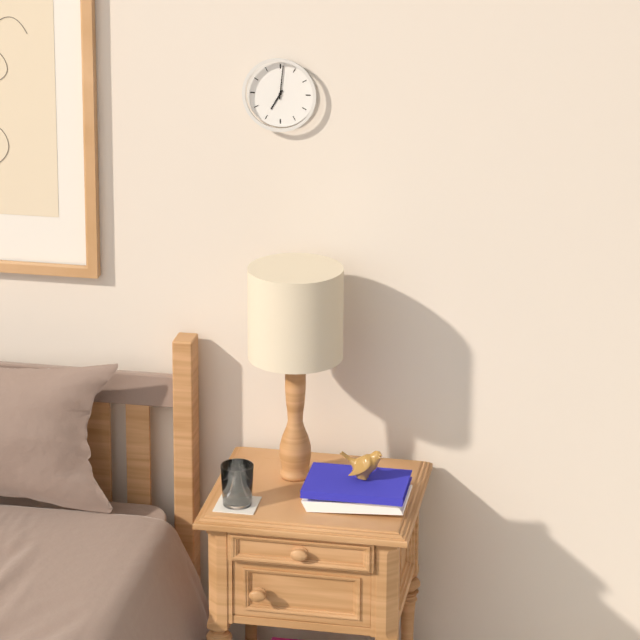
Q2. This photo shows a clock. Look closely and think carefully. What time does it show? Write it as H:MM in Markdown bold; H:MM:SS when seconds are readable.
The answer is **7:01**
